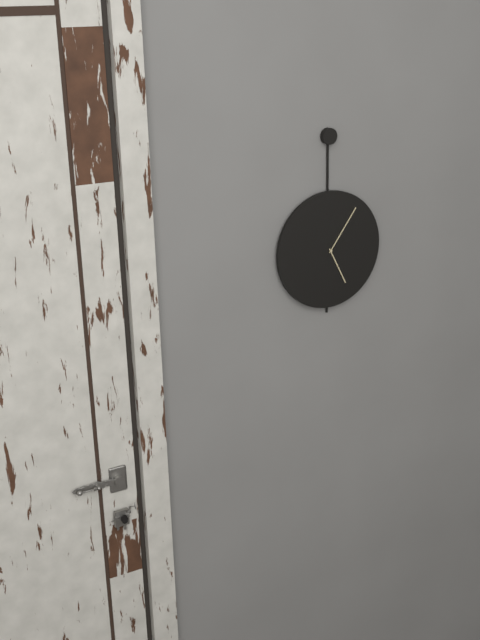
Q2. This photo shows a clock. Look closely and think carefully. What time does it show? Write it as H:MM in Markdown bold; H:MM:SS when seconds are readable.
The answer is **5:06**
